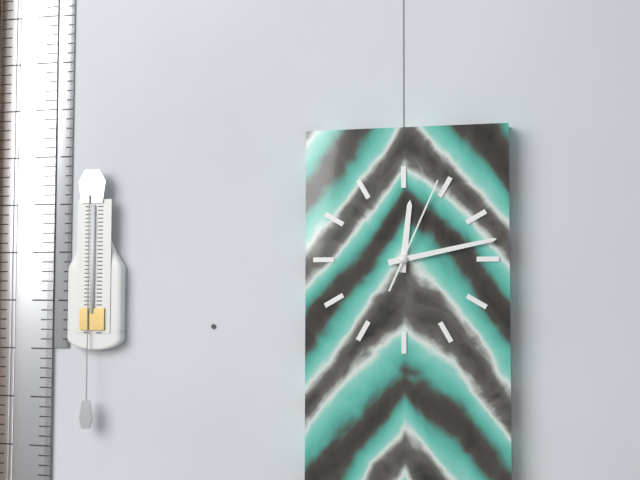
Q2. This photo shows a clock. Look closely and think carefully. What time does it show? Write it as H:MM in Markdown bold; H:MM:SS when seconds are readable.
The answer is **12:13:04**
